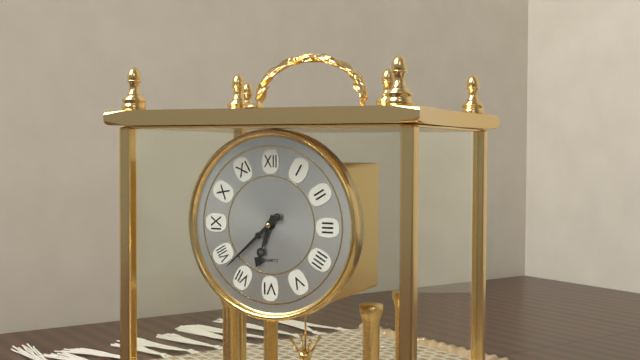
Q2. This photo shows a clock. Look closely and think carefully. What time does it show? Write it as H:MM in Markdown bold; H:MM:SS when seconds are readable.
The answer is **6:38**
